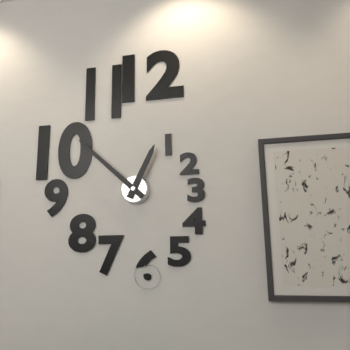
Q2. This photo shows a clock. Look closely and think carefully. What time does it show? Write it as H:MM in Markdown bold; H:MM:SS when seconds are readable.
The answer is **12:52**
